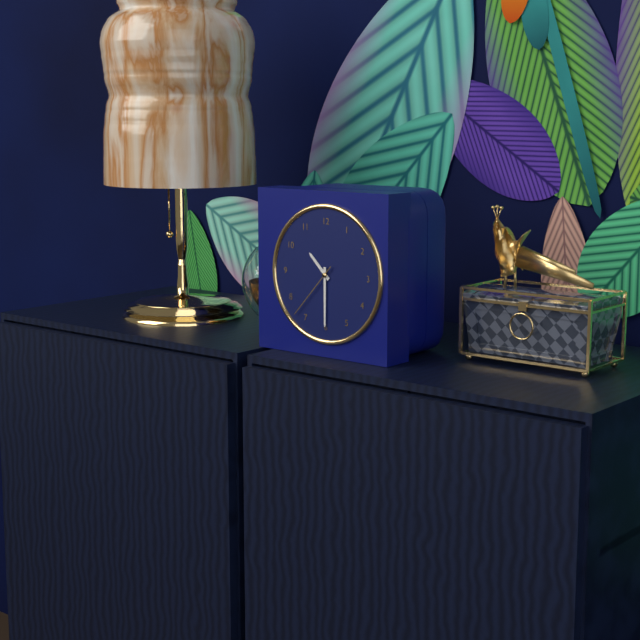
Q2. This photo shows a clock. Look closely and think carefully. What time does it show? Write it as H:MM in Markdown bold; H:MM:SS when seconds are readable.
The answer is **10:30:37**
